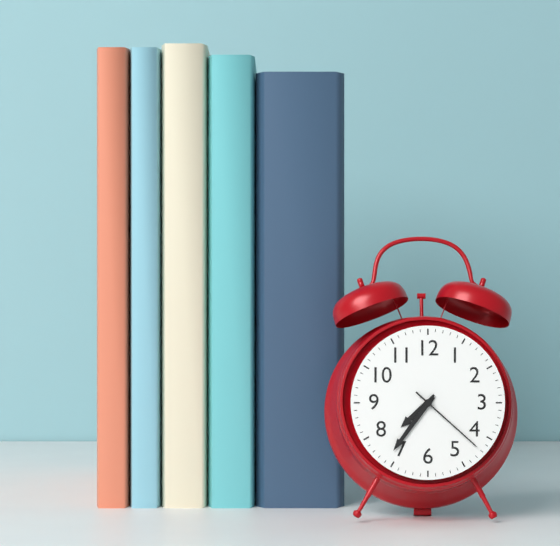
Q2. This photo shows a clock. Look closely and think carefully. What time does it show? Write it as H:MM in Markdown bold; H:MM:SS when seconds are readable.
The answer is **7:36:22**
